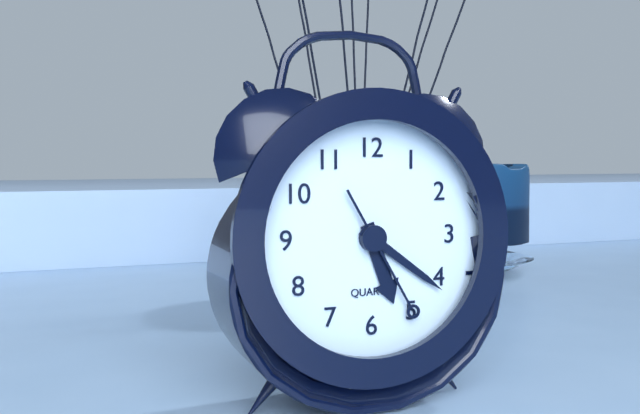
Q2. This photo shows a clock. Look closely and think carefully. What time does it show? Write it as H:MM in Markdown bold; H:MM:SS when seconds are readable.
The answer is **5:21:25**
